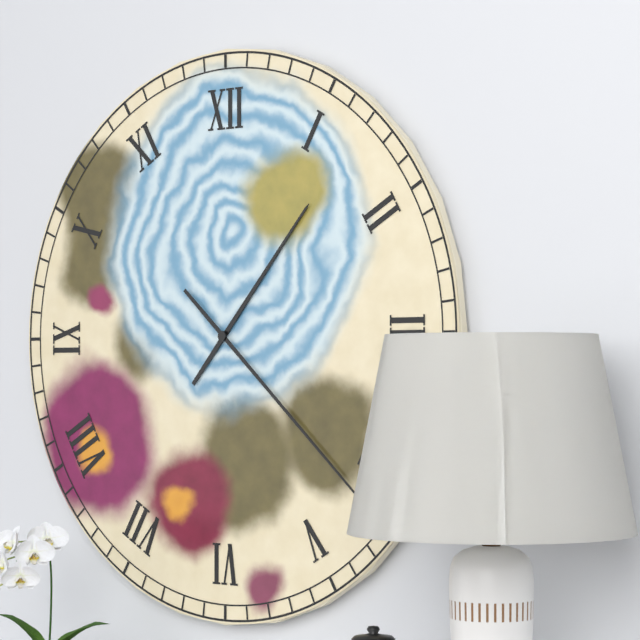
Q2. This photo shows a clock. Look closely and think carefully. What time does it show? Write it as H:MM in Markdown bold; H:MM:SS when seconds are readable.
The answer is **1:22**
